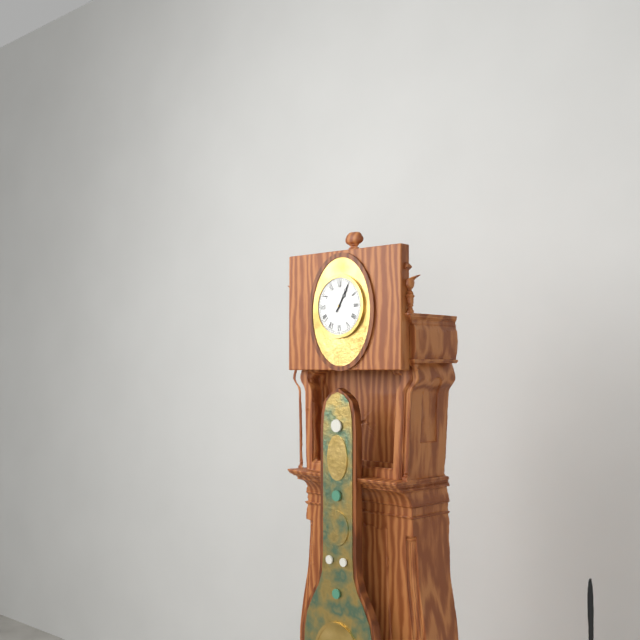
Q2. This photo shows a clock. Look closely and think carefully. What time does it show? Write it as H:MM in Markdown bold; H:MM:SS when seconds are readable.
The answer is **1:05**
